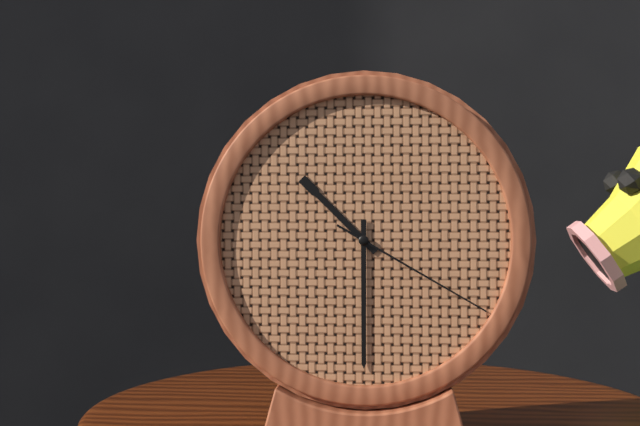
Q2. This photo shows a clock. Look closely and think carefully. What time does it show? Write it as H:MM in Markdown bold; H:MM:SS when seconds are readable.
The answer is **10:30:20**
